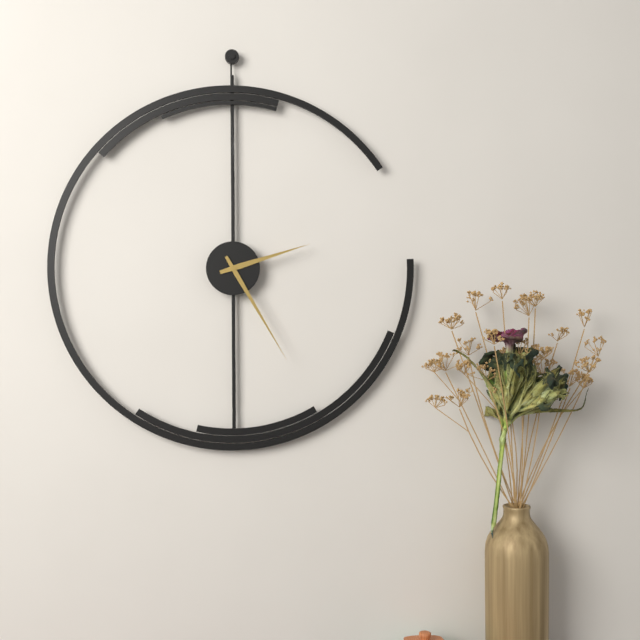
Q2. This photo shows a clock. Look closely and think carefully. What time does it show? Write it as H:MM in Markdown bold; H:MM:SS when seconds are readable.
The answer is **2:25**
